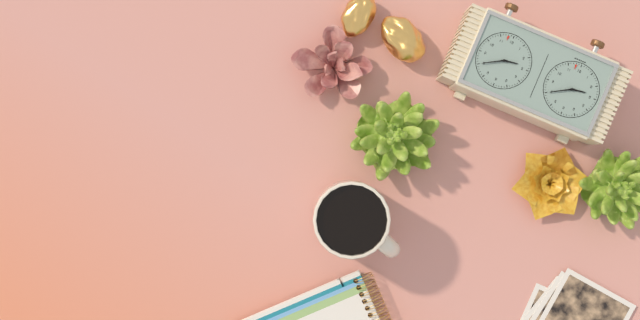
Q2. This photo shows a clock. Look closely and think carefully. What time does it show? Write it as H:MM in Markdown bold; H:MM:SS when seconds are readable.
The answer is **2:40**
